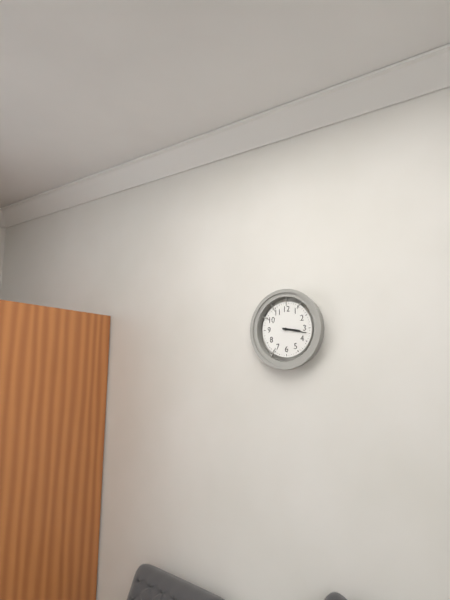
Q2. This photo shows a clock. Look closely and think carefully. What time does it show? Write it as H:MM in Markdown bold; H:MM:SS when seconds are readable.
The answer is **3:17**
